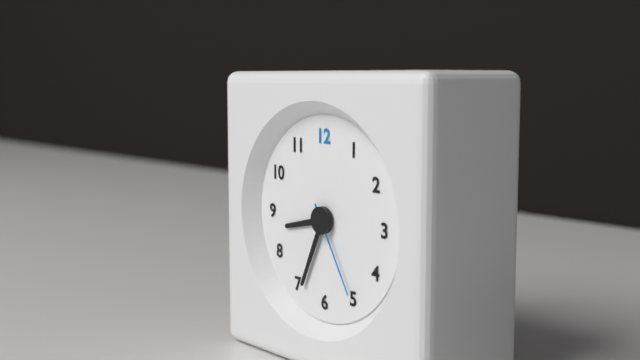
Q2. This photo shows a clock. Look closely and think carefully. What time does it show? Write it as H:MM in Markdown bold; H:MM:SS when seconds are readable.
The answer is **8:34:25**
